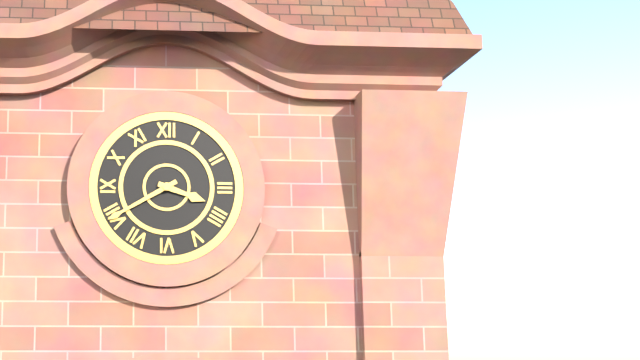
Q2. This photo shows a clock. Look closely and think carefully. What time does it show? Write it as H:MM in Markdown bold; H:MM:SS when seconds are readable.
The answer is **3:40**
